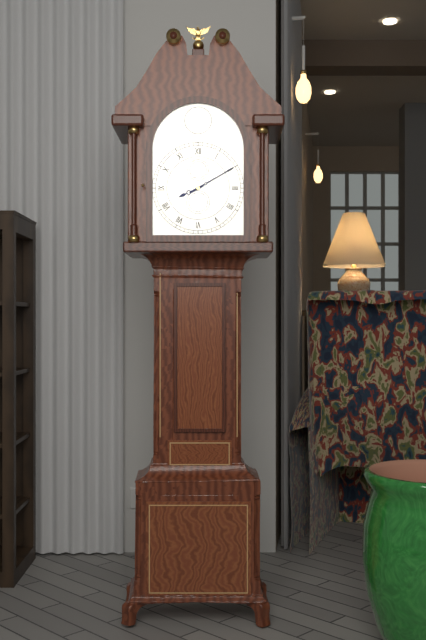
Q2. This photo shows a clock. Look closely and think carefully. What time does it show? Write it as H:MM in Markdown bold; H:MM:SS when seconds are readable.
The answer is **8:10**
